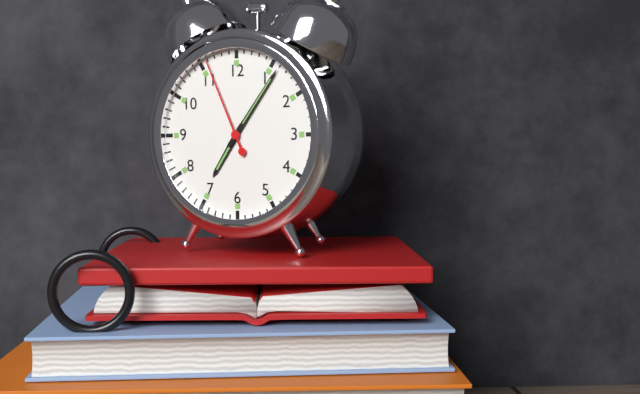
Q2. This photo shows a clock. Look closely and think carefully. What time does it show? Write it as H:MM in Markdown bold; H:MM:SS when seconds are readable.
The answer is **7:06:56**
